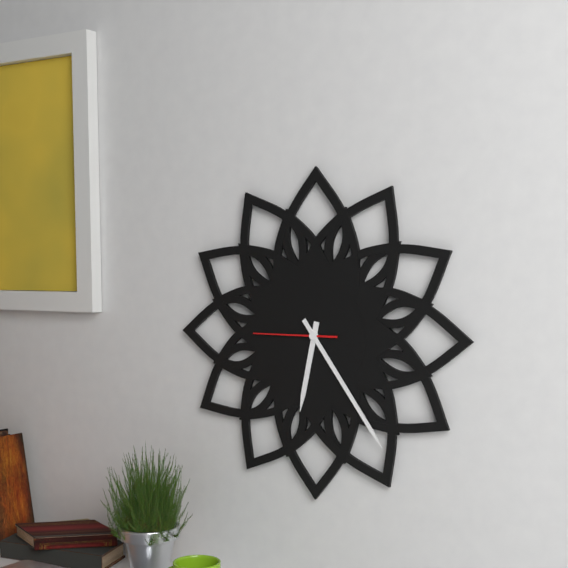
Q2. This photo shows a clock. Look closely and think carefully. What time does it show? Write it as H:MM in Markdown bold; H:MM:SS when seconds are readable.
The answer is **6:24:45**
